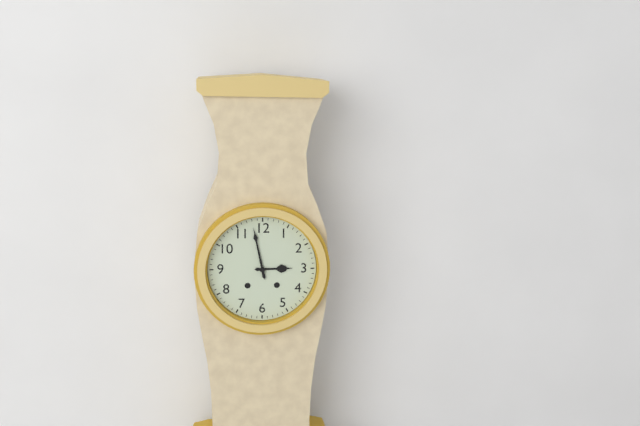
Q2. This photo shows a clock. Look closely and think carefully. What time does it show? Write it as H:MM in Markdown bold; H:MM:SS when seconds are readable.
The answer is **2:58**
